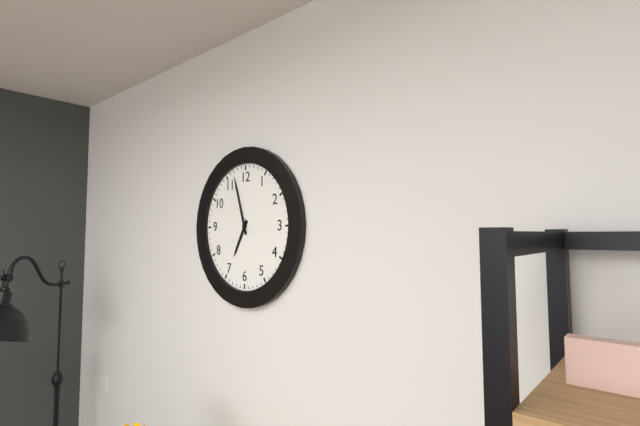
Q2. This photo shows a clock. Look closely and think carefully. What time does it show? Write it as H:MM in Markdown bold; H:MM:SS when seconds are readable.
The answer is **6:57**
